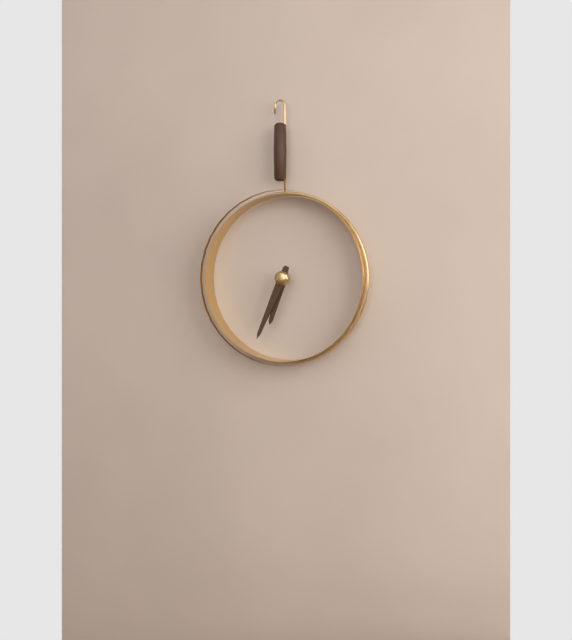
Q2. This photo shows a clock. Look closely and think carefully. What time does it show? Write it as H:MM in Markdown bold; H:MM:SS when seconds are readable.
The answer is **6:34**
